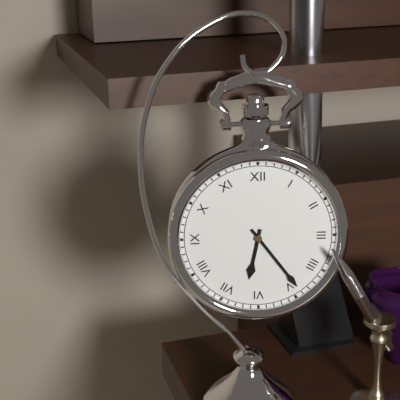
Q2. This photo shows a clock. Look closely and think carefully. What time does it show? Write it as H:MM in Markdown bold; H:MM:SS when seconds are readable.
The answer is **6:24**
